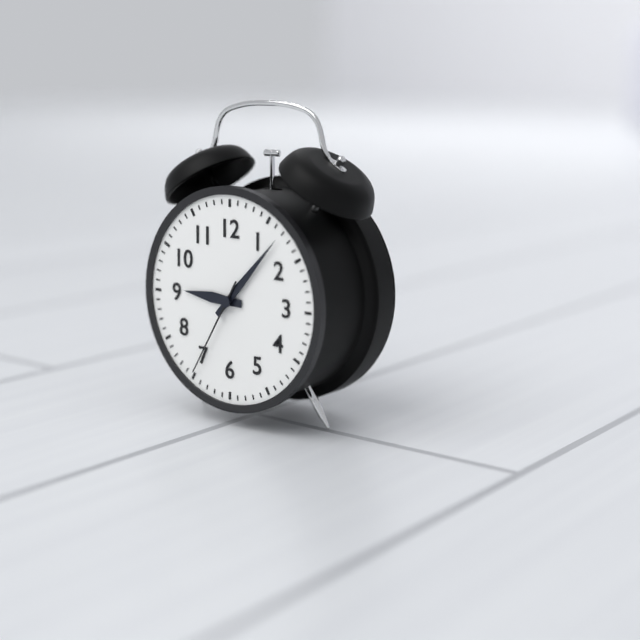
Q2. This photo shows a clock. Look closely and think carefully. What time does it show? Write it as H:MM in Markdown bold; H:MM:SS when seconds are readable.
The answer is **9:07:35**
